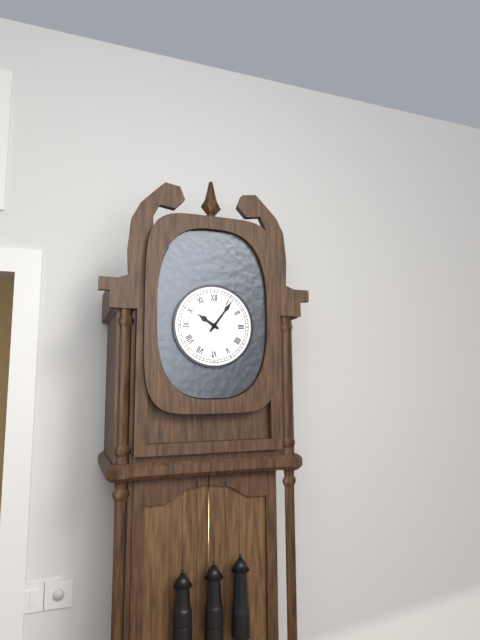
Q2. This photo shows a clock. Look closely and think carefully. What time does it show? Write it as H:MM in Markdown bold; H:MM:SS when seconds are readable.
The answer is **10:06**
